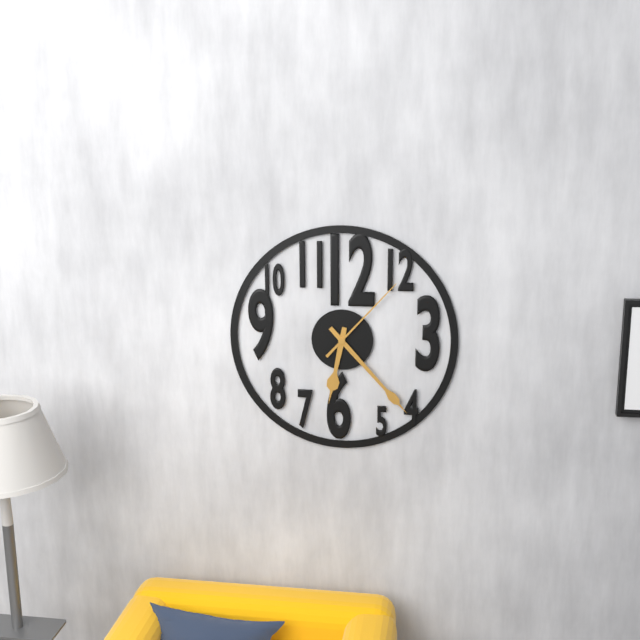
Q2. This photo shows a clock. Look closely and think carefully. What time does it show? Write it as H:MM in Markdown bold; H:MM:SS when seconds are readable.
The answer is **6:23:07**
